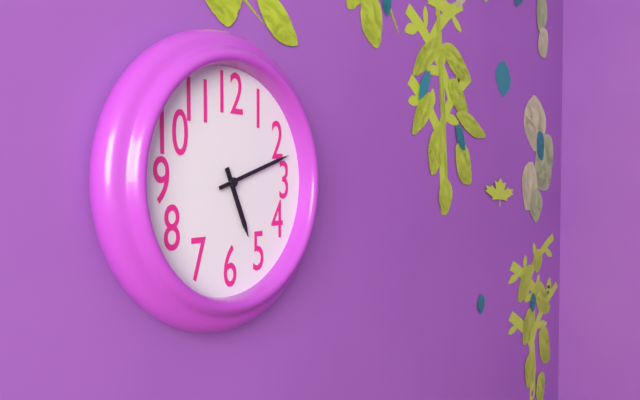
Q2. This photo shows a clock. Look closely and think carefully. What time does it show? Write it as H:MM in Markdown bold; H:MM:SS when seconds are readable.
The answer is **5:12**
